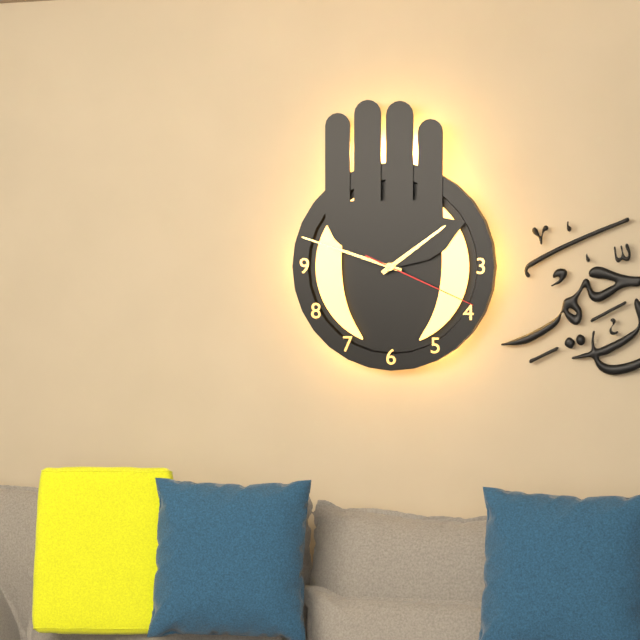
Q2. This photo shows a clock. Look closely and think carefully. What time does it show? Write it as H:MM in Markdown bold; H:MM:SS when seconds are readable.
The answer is **1:48:19**
